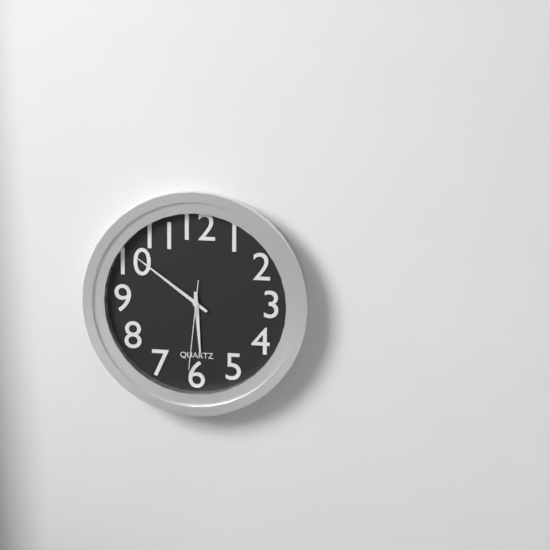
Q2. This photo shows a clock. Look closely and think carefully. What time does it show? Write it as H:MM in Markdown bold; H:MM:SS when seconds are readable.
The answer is **5:51:31**
